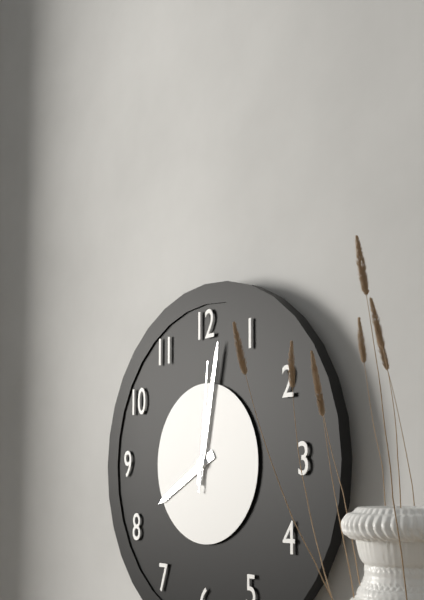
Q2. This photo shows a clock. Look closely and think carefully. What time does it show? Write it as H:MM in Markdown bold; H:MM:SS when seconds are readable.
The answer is **8:02:01**
